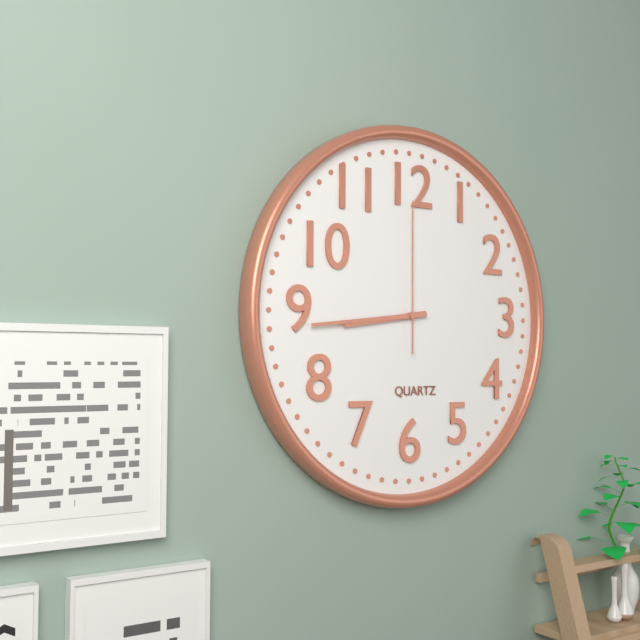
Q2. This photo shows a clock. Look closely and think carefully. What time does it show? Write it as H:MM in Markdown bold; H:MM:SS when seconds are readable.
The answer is **8:44:00**
